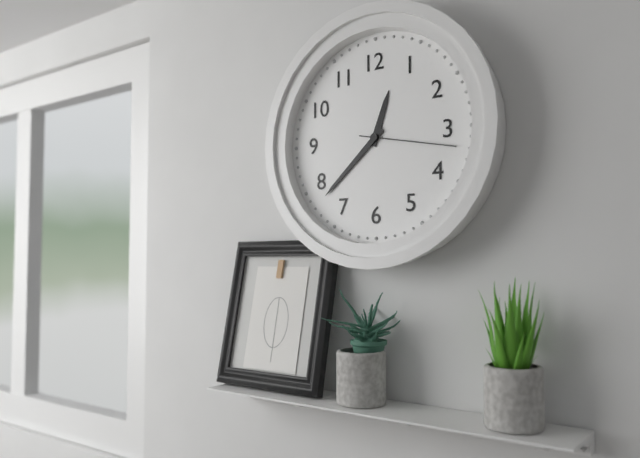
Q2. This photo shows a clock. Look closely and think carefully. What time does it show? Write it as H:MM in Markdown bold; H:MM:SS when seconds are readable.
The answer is **12:38:17**
